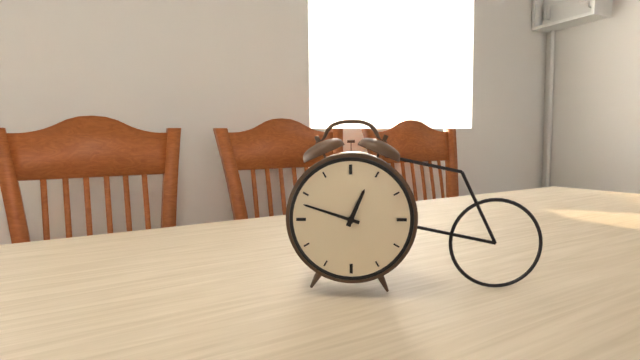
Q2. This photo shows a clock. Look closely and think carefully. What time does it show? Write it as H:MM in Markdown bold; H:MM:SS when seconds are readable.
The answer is **12:48**
